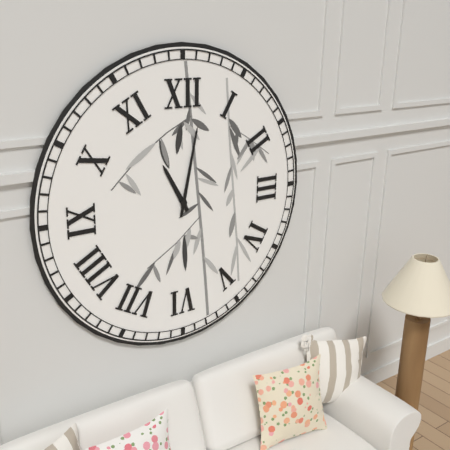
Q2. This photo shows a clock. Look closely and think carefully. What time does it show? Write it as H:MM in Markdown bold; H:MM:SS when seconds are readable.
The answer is **11:02**
